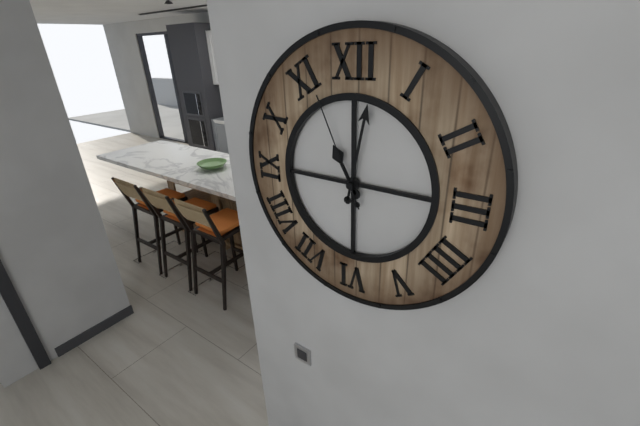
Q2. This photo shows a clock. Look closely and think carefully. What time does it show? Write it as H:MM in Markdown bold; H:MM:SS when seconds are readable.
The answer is **11:02:56**
